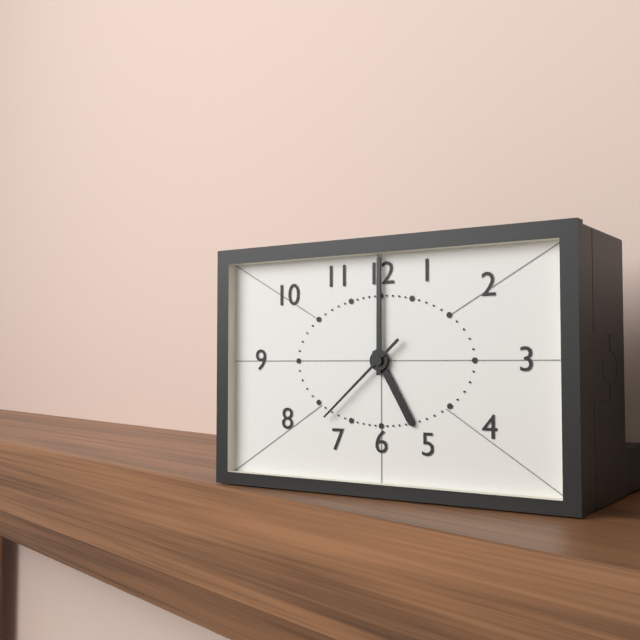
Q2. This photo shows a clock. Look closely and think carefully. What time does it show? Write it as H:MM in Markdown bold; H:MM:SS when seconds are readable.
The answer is **5:00:38**
